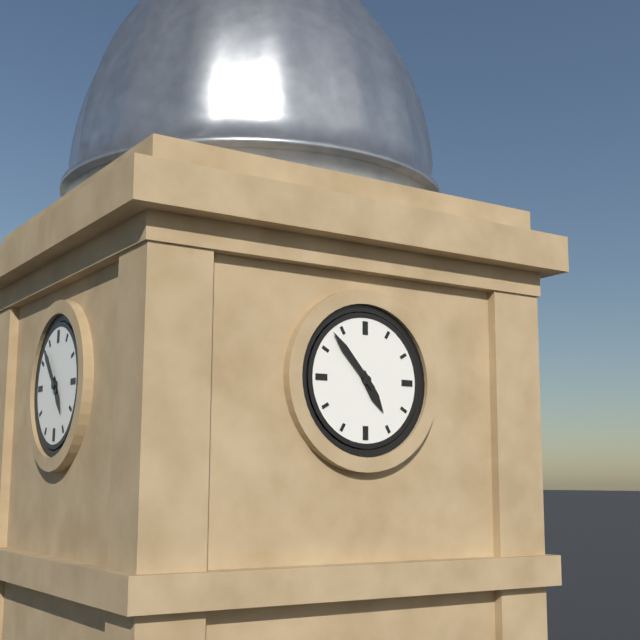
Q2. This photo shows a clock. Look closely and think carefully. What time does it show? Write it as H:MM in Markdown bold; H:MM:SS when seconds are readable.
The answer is **4:53**
